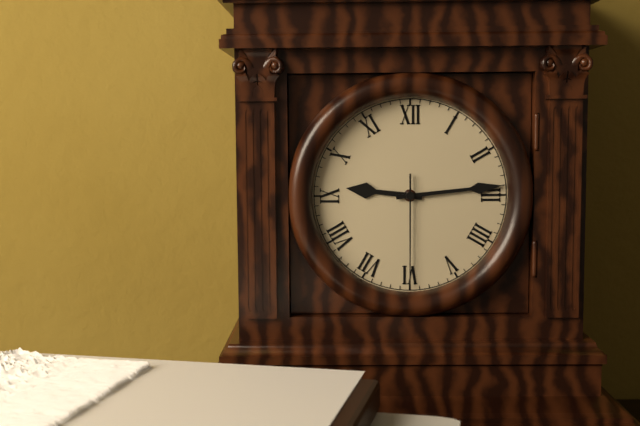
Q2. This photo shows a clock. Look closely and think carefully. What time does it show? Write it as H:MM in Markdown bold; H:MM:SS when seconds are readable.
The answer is **9:14:30**
